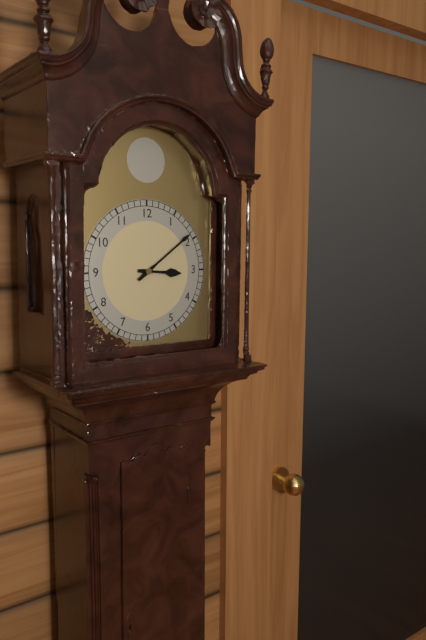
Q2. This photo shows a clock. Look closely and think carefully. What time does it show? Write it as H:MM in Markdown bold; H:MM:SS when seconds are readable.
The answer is **3:09**
